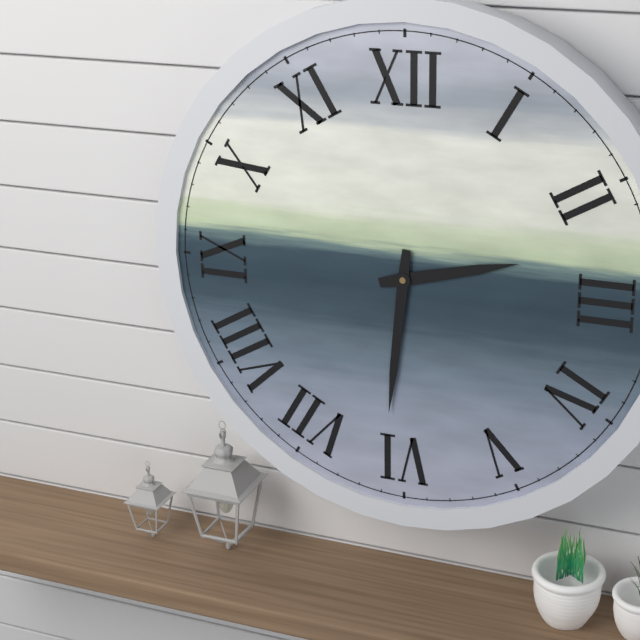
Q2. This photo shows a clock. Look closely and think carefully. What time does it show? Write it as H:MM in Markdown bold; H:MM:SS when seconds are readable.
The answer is **2:31**
